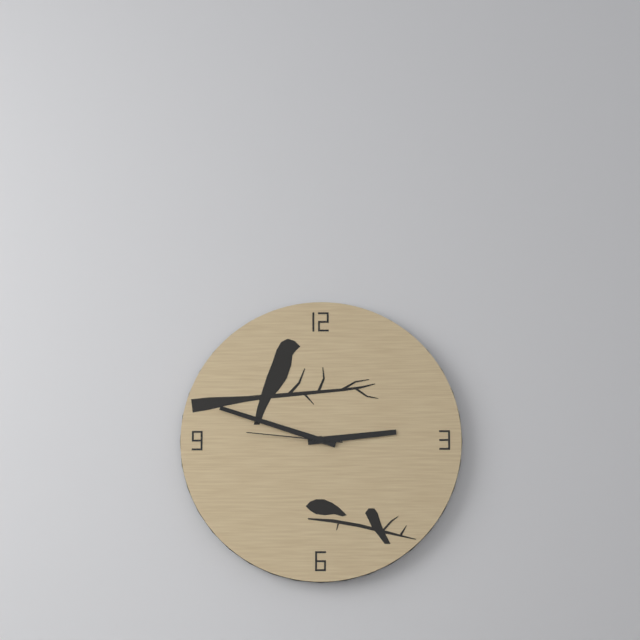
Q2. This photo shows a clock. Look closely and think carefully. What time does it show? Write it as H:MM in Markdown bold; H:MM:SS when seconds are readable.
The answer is **2:48:46**
